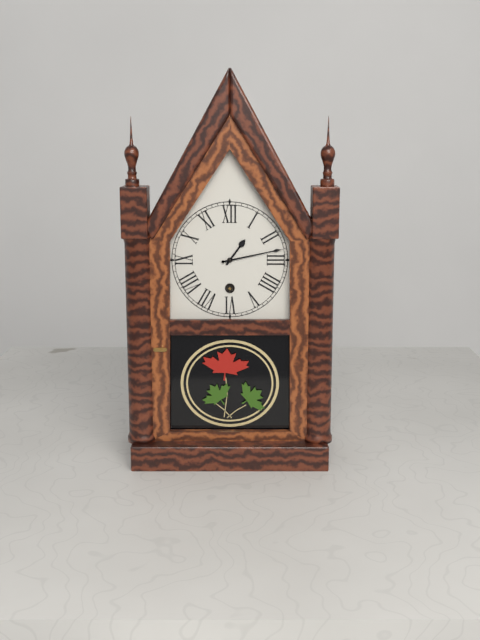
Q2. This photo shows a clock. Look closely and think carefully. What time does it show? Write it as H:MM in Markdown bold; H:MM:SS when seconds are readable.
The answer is **1:13**
